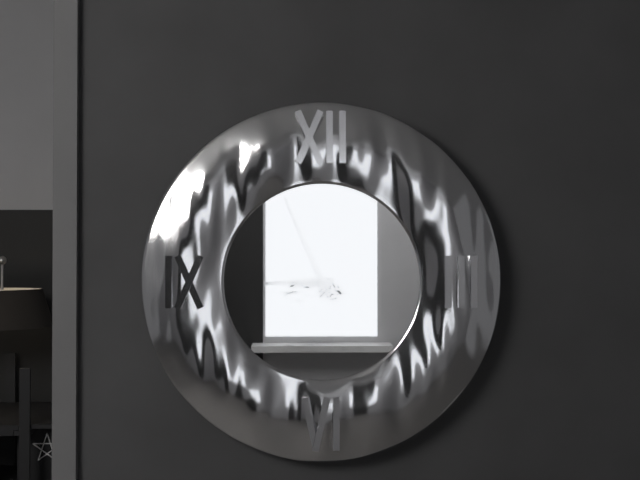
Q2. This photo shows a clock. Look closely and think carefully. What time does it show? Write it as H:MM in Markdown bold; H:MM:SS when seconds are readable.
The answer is **8:56**
